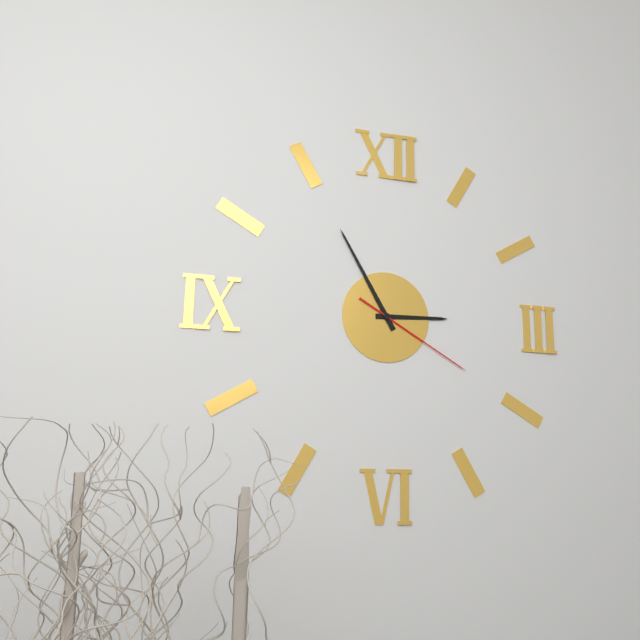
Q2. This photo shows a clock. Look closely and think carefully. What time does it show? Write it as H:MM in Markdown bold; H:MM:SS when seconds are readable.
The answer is **2:55:20**
